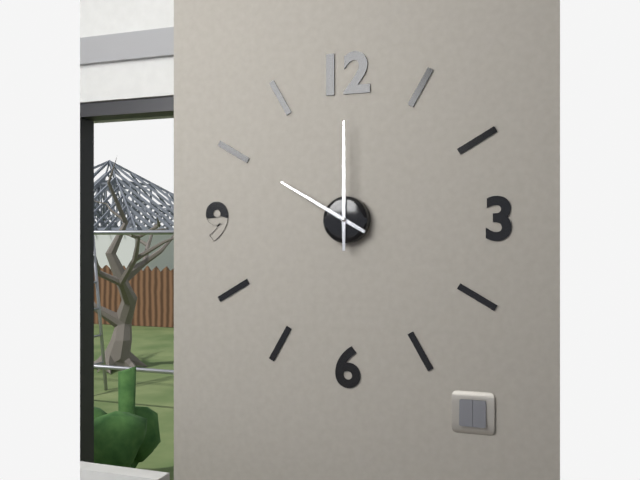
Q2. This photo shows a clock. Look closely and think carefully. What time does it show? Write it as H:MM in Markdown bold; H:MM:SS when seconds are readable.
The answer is **10:00**
